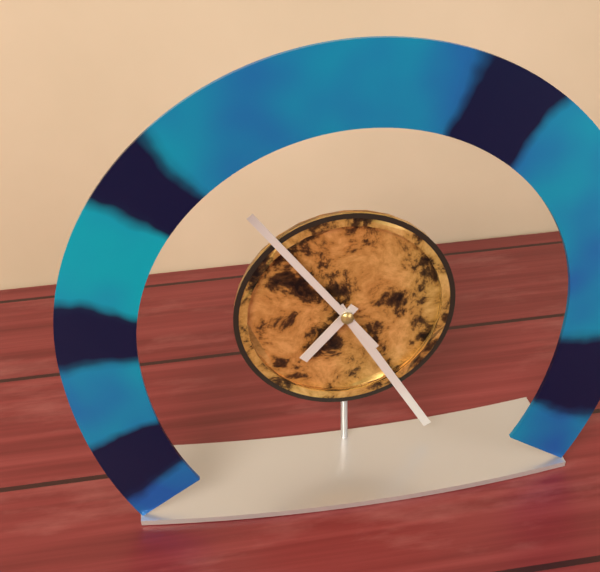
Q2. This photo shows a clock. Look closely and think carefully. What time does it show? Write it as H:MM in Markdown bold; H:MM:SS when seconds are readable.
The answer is **7:25:54**
